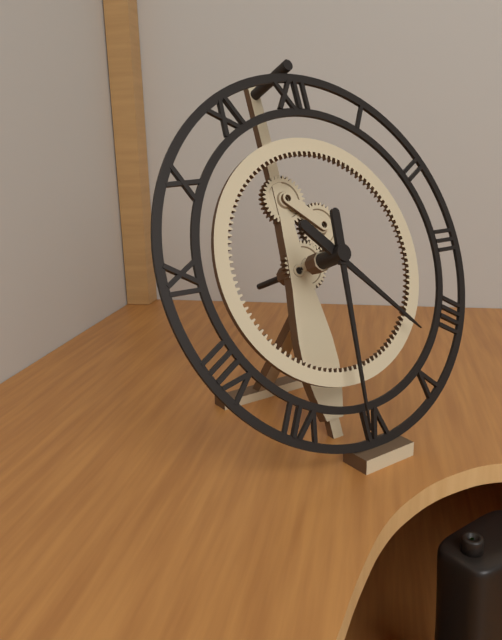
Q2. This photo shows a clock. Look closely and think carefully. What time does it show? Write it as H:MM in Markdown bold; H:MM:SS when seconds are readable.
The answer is **4:31**
